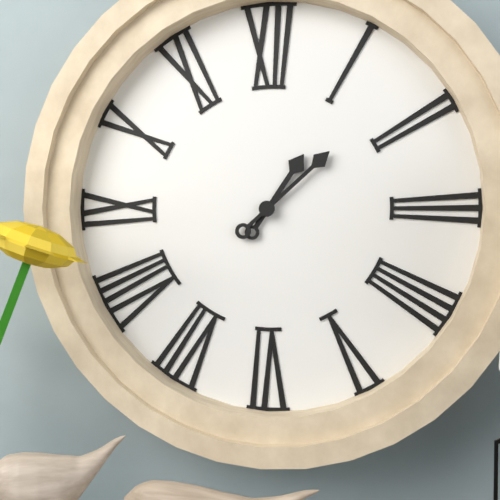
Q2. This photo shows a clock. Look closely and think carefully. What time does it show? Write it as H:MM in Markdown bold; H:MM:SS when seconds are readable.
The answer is **1:08**
